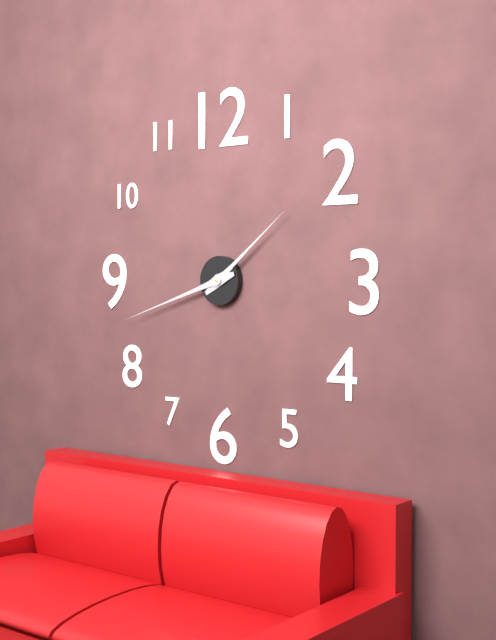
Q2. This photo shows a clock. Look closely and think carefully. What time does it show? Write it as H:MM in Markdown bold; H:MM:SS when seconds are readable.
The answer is **1:42**
